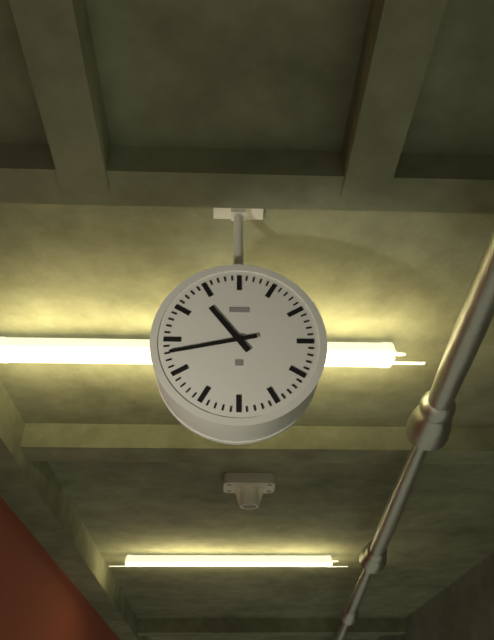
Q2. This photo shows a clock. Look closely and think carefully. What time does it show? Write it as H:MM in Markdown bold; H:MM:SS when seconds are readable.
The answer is **10:43**
